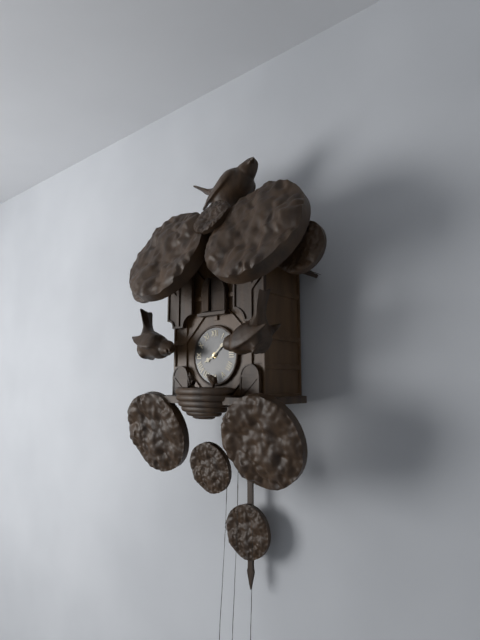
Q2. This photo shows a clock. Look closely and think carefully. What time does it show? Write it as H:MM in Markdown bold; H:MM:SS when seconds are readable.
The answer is **8:08**
